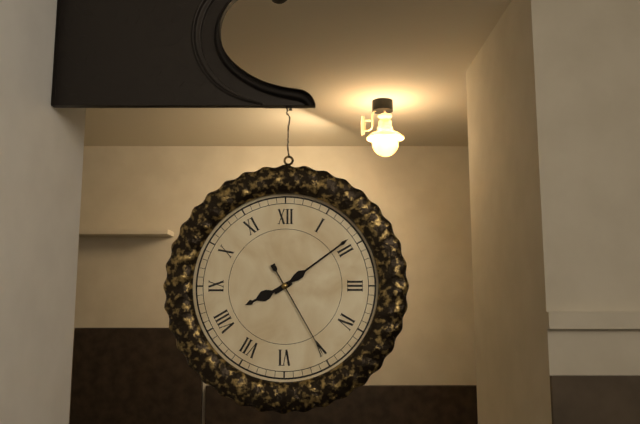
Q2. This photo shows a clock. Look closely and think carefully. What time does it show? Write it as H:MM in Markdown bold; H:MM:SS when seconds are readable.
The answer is **8:09:25**
